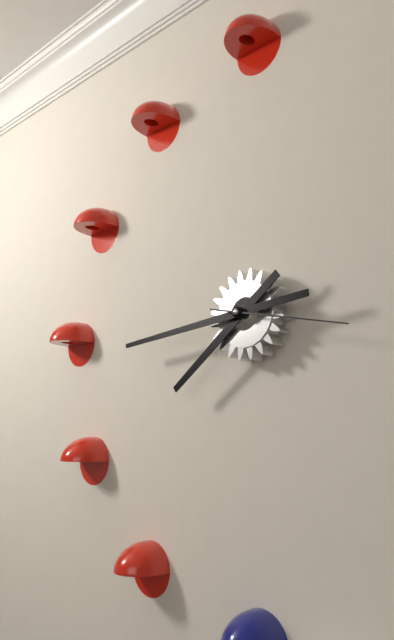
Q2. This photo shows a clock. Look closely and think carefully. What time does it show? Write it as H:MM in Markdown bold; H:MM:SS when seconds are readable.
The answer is **7:44:17**
